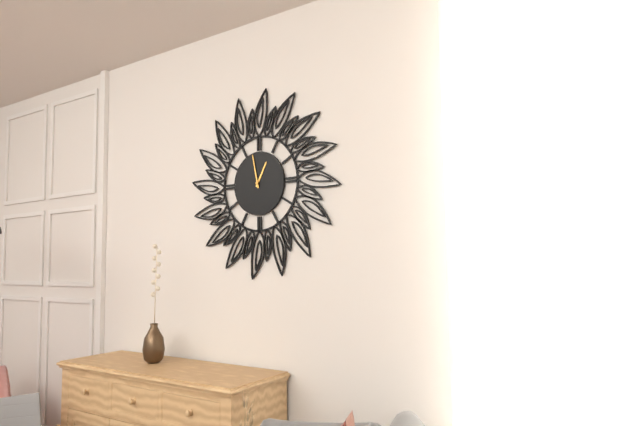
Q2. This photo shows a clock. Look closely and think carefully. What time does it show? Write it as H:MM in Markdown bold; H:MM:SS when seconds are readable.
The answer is **12:58**
